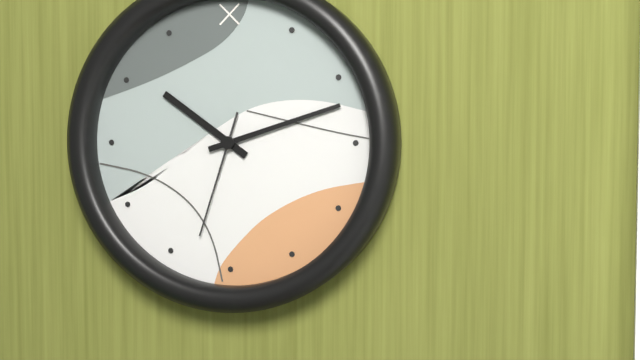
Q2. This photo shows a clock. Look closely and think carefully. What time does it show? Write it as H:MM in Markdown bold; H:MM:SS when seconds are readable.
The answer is **10:12:33**
